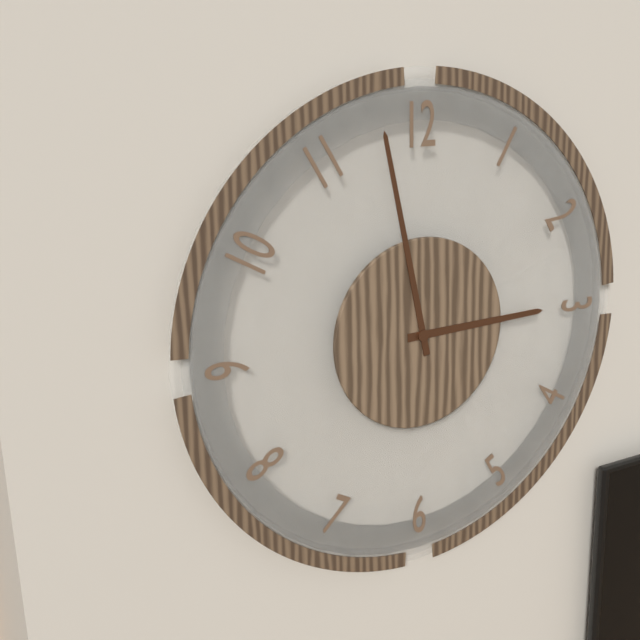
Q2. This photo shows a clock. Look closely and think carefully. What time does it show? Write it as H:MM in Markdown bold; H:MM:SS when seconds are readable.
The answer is **2:58**
